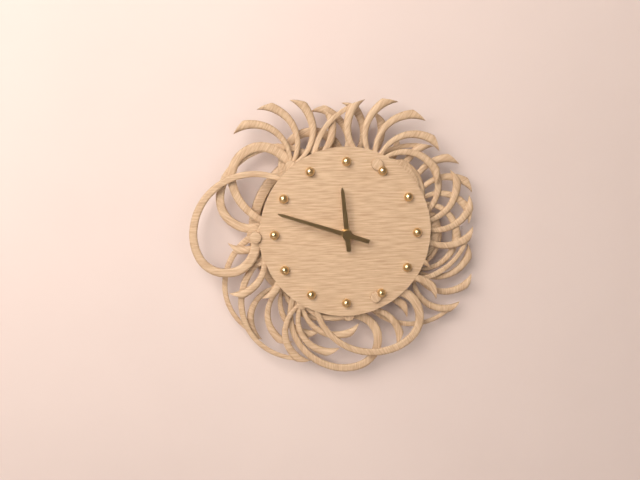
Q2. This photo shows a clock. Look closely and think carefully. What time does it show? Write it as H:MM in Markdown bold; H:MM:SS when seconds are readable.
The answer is **11:48**
